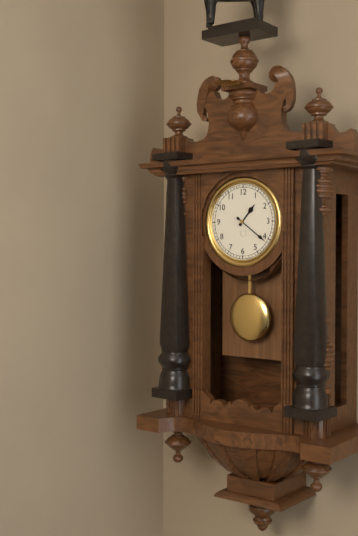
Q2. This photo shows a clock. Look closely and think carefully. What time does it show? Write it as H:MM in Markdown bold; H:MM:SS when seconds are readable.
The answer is **1:21**
